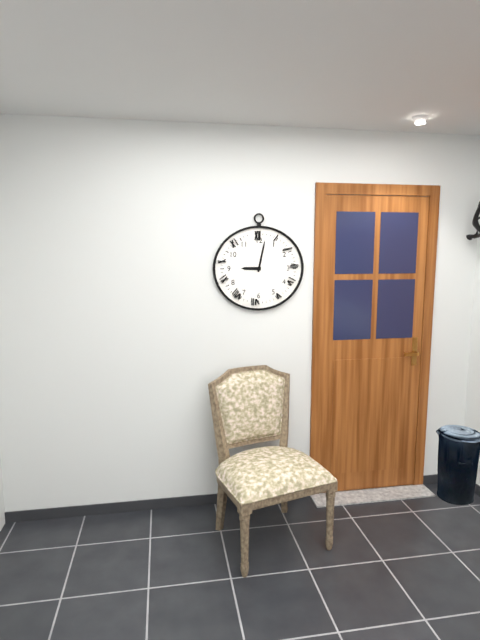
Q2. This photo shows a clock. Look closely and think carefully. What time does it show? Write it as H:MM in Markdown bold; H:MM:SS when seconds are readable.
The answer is **9:02**
